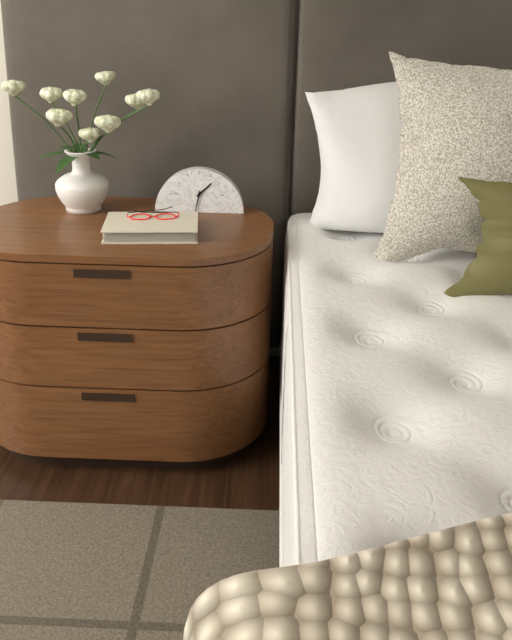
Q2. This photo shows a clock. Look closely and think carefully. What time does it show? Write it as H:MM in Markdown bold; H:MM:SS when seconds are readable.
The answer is **1:32**
